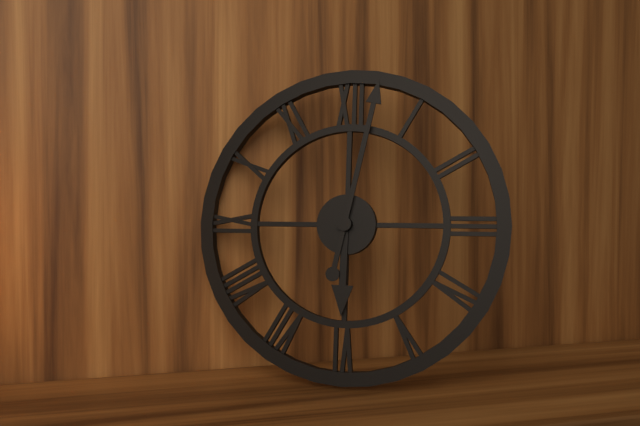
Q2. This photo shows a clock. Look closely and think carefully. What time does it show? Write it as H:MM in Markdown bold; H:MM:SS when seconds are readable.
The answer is **6:02**
